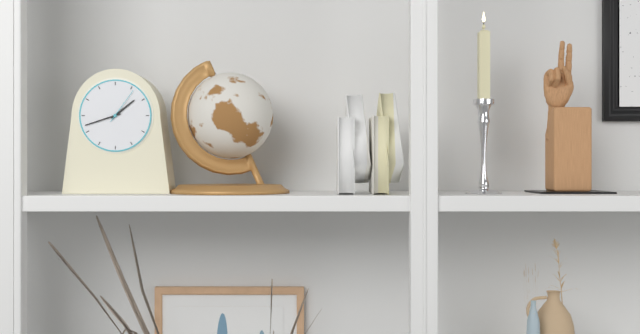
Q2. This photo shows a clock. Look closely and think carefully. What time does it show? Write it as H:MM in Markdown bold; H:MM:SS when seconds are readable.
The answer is **1:42**
